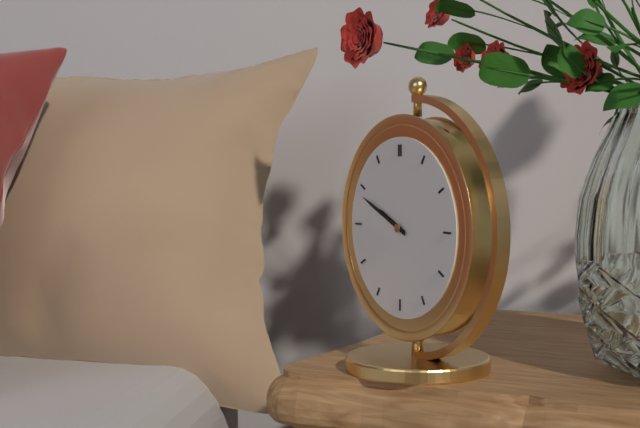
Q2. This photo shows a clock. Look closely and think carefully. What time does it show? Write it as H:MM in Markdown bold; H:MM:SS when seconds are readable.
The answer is **9:49**
